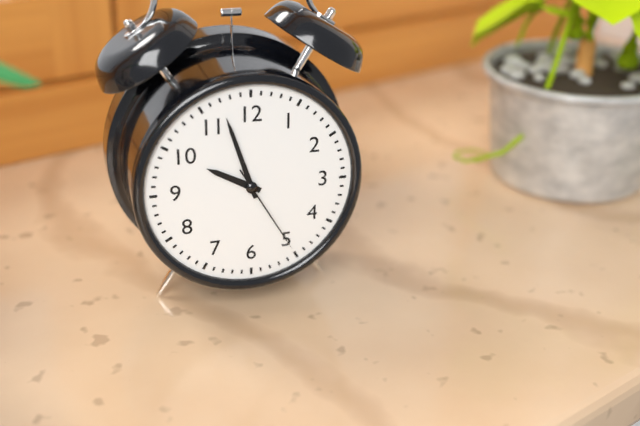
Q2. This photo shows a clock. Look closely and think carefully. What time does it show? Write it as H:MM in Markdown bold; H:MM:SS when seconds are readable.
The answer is **9:57:25**
